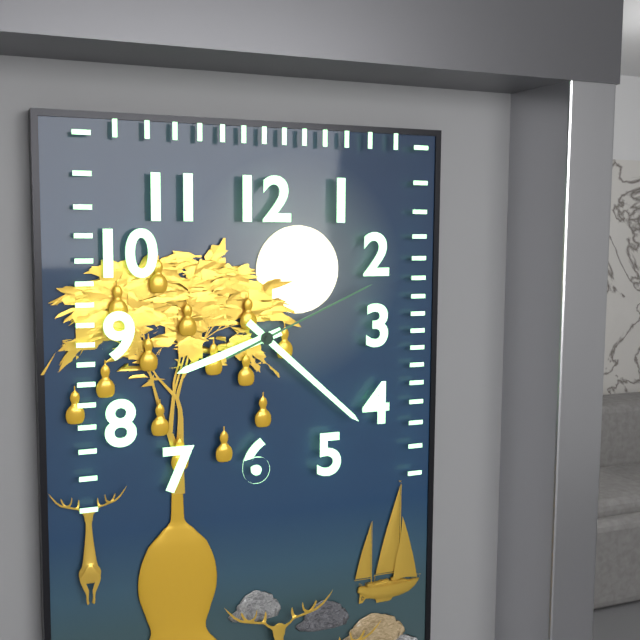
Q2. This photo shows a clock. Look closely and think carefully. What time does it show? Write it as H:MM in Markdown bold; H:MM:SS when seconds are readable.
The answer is **8:22:11**
